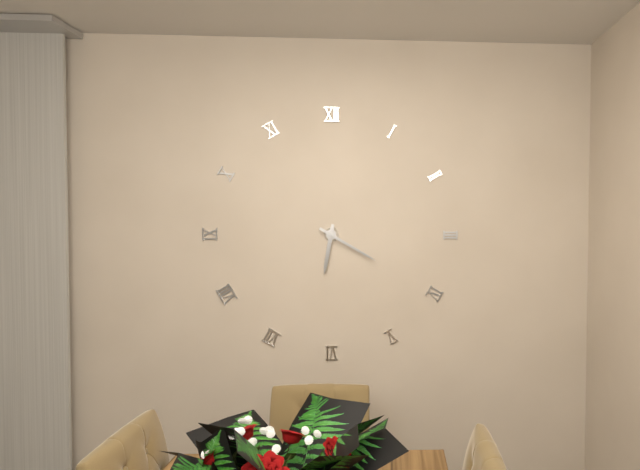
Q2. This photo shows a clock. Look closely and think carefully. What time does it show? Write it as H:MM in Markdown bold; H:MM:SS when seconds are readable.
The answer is **6:20**
